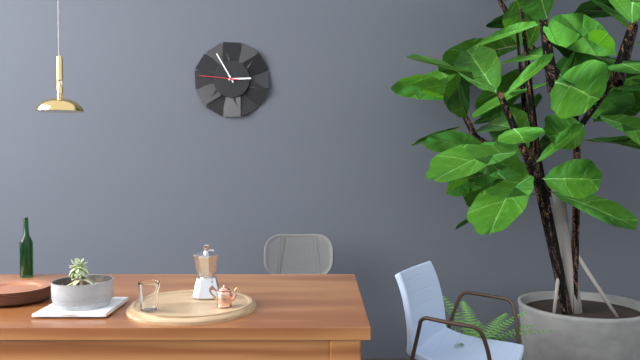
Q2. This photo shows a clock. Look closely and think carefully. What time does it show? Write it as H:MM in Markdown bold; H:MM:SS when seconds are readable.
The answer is **2:55**
